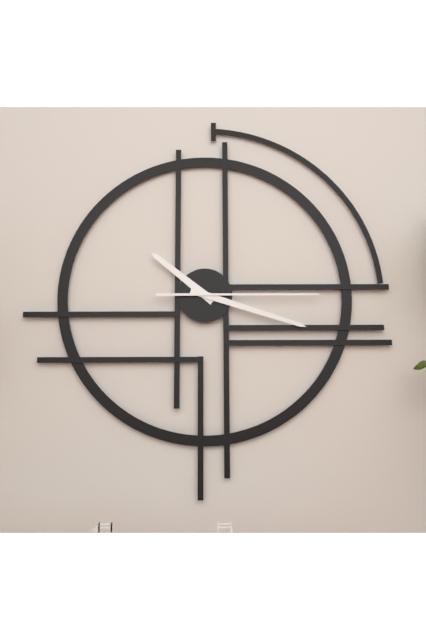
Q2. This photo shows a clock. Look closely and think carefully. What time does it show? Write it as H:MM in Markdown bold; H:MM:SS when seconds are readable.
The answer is **10:18:15**
